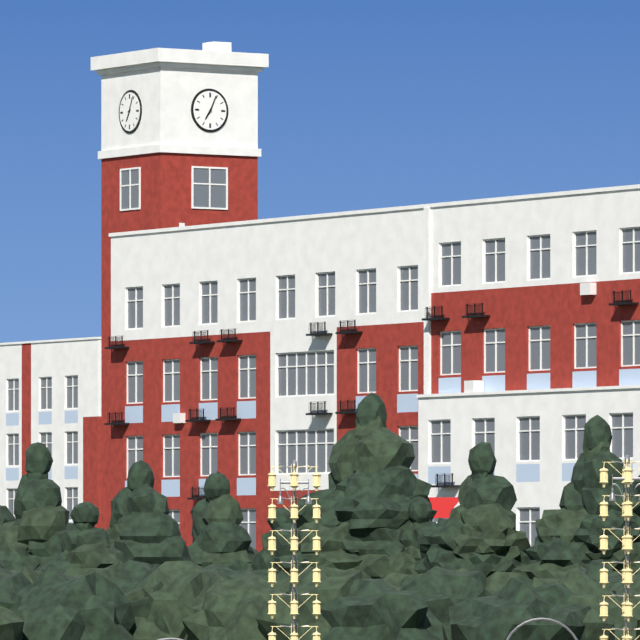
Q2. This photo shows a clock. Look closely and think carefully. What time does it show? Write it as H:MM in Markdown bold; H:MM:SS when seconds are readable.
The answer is **7:04**
